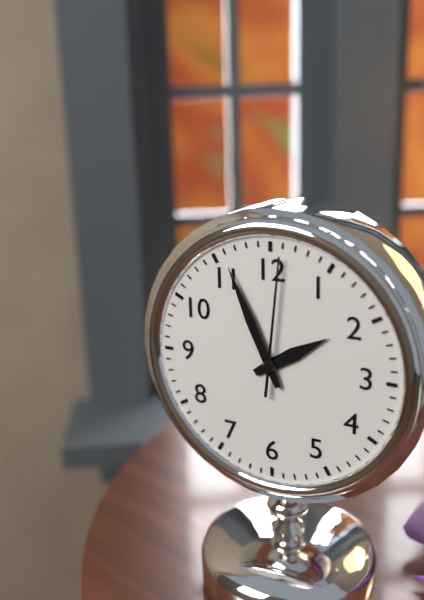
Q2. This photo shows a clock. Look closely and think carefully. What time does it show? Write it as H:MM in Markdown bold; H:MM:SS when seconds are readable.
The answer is **1:56:01**
